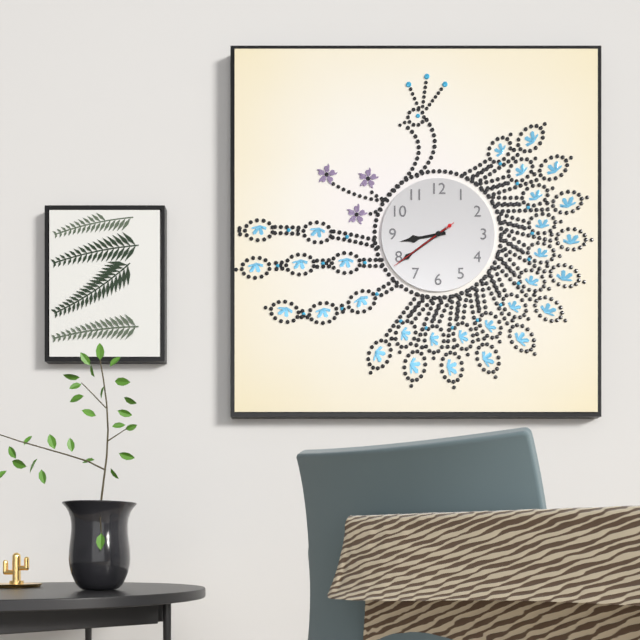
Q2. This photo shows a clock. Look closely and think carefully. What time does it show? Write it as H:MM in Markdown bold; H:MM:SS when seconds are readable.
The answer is **8:39:39**
